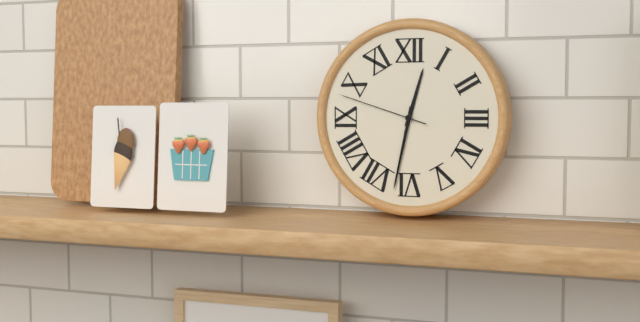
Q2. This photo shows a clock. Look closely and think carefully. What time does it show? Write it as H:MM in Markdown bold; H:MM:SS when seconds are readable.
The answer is **12:32:48**
